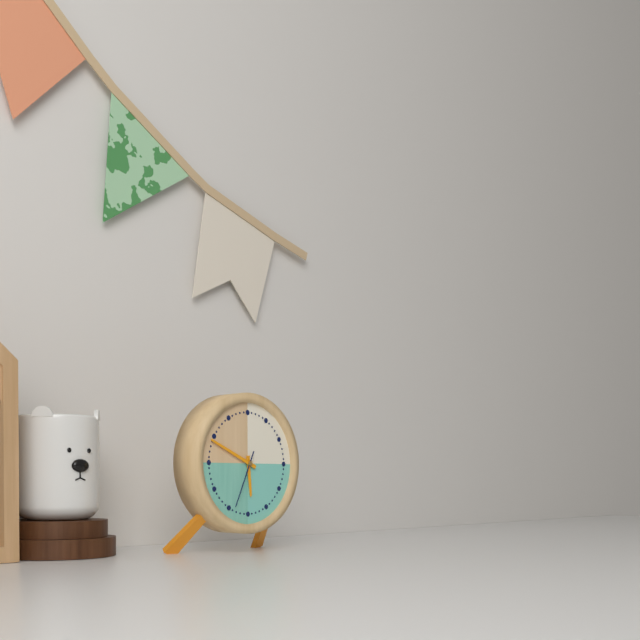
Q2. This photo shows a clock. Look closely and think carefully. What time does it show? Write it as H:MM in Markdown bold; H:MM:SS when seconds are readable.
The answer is **5:49:34**
